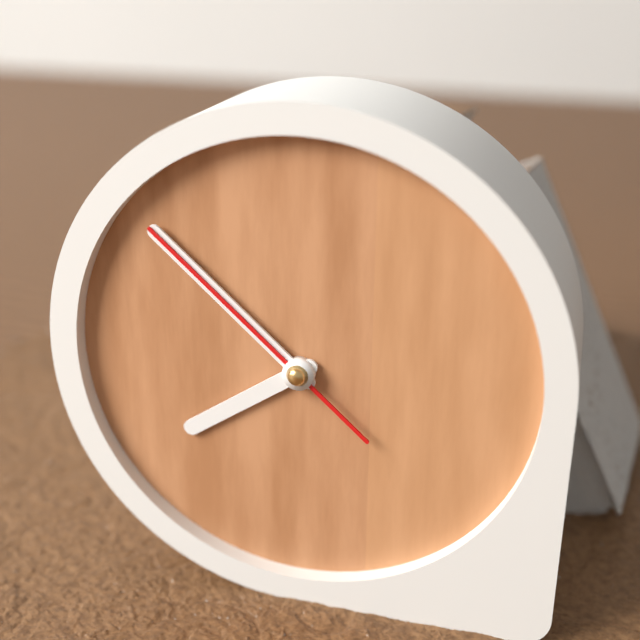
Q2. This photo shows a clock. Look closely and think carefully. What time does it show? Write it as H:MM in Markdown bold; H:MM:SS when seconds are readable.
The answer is **7:52:52**
